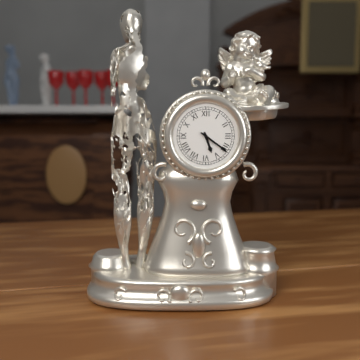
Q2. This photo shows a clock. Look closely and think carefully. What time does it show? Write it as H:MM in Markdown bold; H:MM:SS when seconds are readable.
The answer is **5:21**
